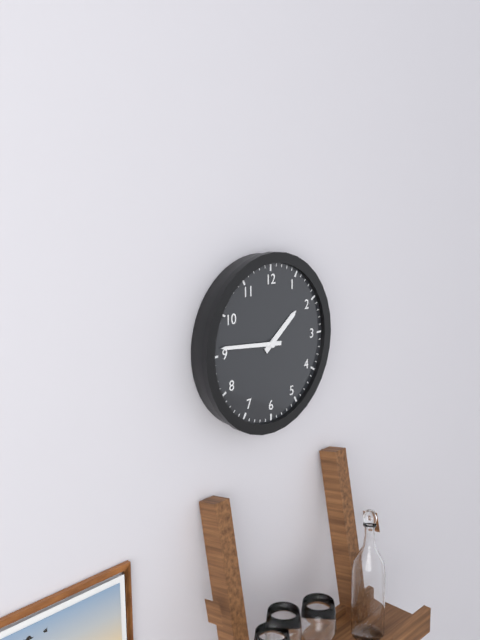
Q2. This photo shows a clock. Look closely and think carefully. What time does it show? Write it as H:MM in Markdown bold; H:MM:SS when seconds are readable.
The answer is **1:46**
